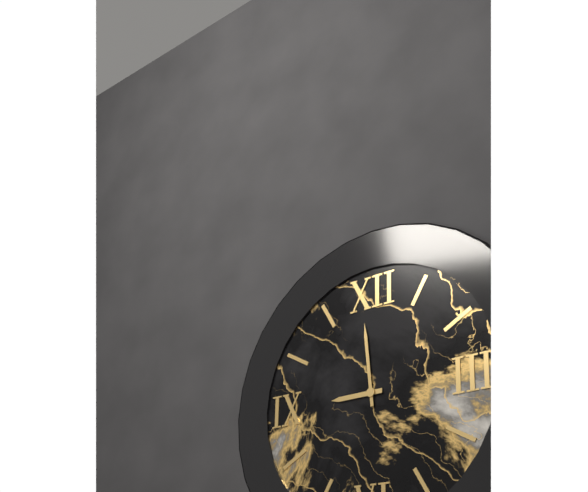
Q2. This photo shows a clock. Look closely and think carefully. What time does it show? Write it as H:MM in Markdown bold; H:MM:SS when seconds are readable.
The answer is **8:59**
